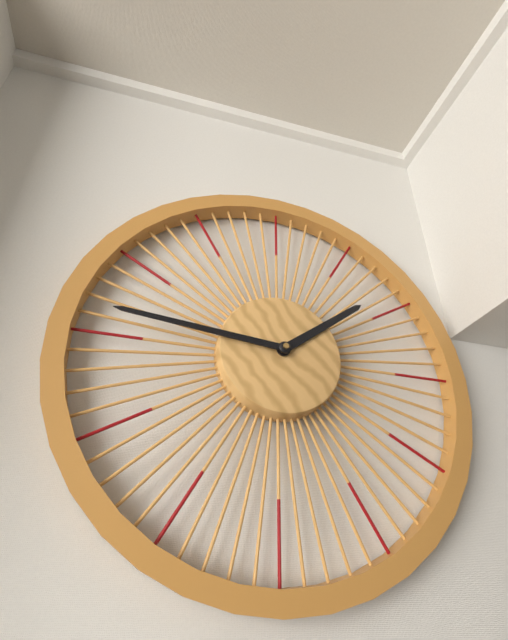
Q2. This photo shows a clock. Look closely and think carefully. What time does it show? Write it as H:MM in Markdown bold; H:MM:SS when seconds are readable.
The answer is **1:46**
